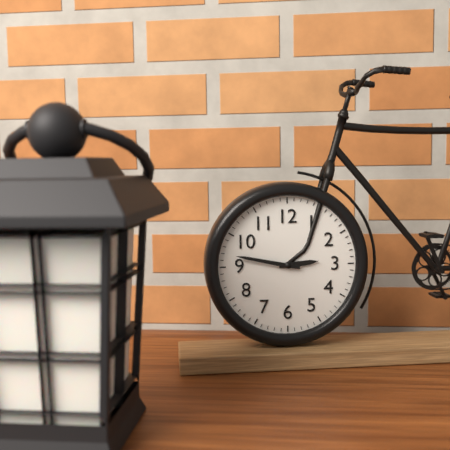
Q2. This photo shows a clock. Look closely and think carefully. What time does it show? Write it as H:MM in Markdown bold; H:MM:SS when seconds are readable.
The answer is **2:47**
